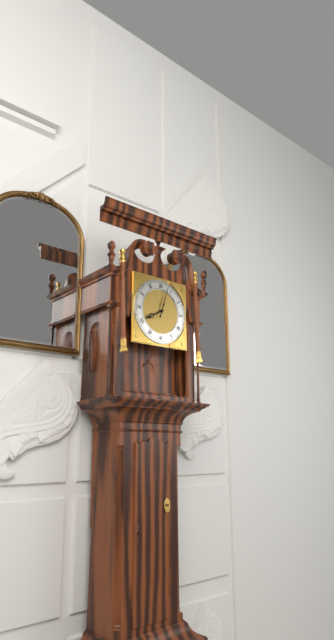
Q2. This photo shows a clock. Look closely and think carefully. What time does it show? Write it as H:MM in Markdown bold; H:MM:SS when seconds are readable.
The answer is **8:03**
